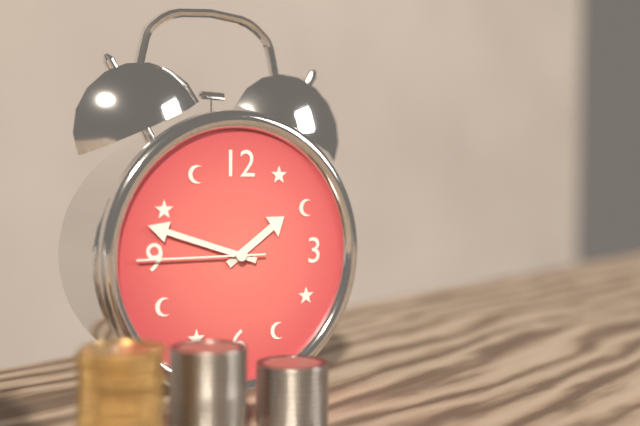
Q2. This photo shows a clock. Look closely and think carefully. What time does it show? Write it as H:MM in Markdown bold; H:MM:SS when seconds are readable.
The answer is **1:48:45**
